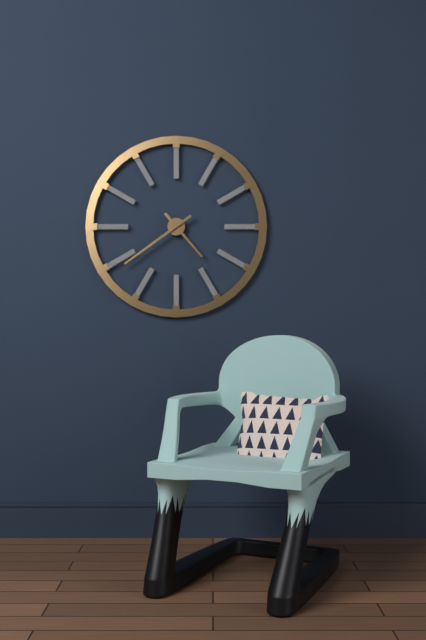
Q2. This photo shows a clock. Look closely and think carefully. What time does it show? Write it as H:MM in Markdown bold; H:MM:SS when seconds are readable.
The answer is **4:39**
